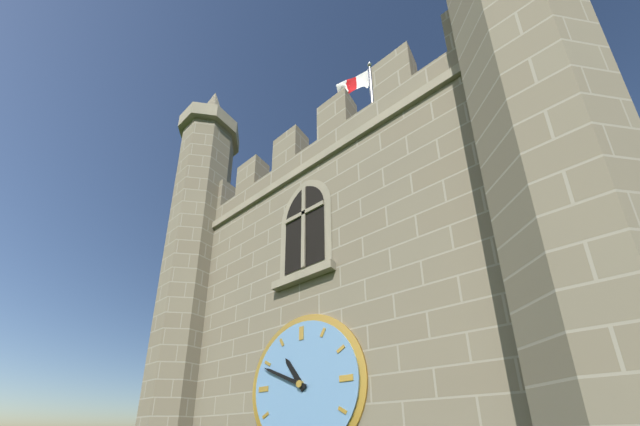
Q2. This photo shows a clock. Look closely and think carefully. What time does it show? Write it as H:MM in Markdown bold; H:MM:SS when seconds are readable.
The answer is **10:49**
